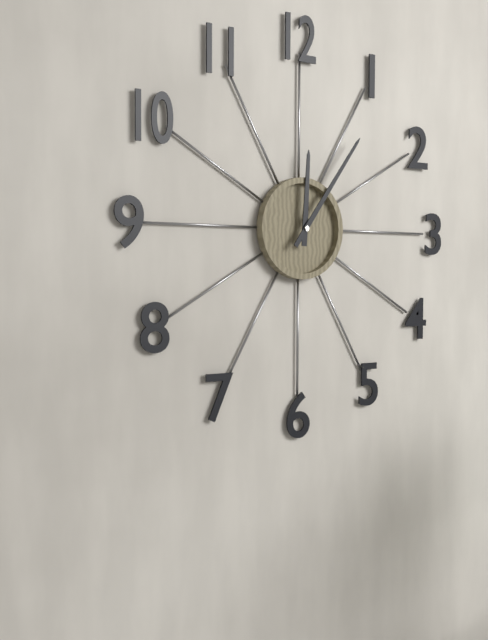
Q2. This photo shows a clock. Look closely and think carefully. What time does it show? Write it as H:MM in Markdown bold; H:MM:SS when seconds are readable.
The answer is **12:06**
